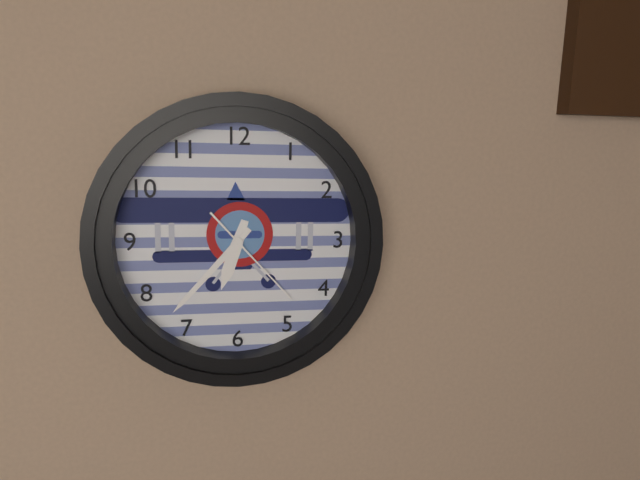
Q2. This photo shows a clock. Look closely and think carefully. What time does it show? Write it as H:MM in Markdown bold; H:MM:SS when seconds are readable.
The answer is **6:37:23**
